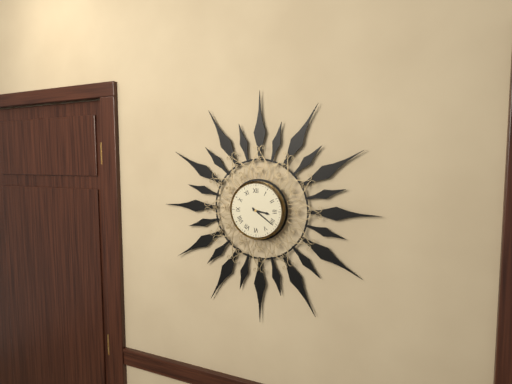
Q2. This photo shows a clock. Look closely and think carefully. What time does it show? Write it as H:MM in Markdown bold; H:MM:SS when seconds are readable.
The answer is **3:21**
